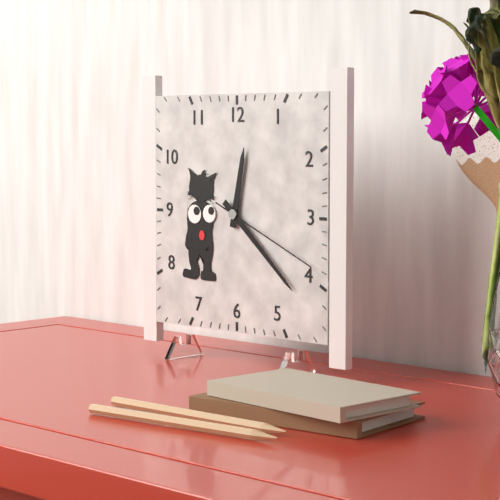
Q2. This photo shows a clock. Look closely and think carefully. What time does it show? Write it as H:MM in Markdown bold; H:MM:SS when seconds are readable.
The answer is **12:22:19**
